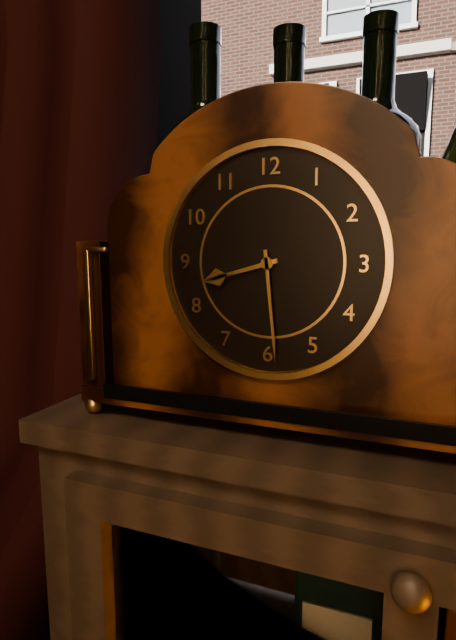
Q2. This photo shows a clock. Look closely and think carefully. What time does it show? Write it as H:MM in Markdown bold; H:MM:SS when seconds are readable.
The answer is **8:29**
